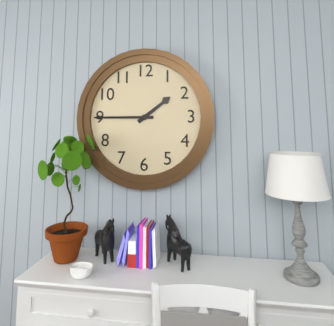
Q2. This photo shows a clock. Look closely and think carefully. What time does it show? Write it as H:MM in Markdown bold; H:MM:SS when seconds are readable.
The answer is **1:45**
